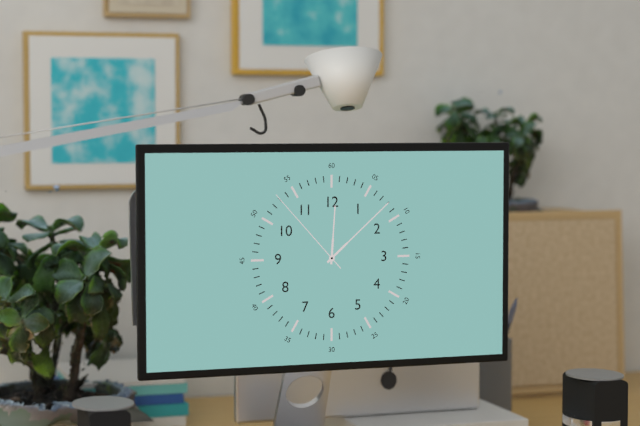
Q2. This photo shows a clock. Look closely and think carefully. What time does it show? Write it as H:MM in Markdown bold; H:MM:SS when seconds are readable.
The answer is **12:08:53**
